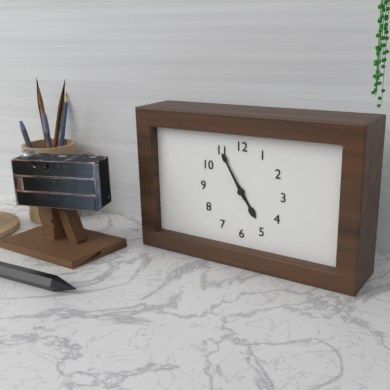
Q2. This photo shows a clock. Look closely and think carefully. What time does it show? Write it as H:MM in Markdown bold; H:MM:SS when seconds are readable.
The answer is **4:55**
